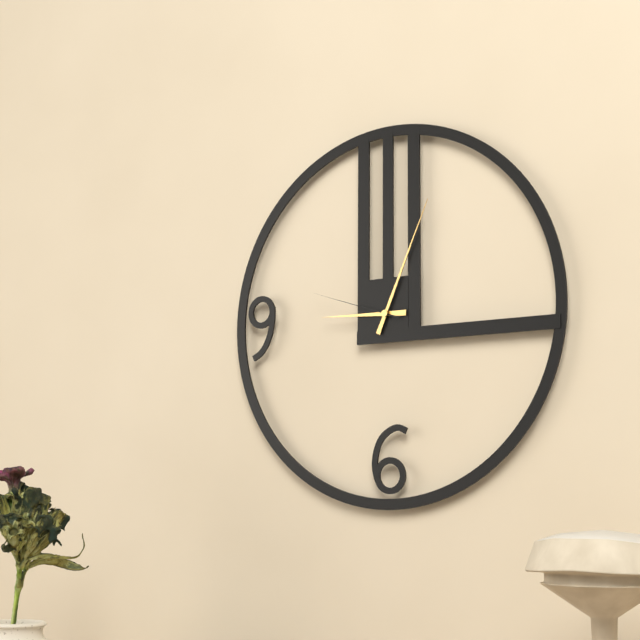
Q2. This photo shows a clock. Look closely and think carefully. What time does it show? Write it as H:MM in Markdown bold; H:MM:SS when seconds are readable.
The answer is **9:04:48**
